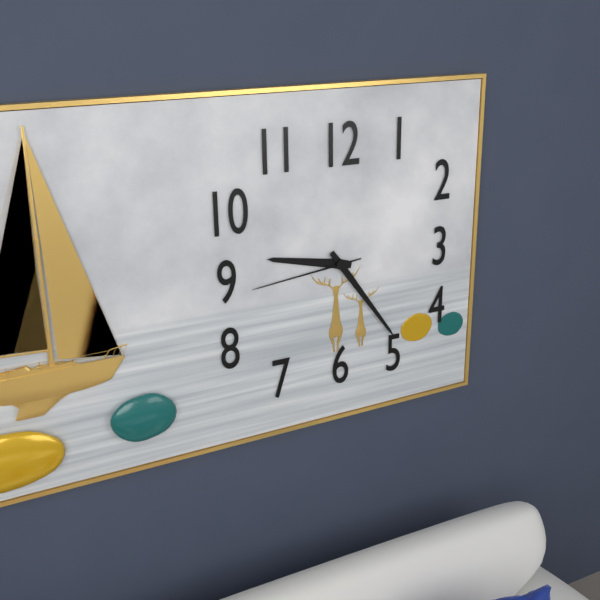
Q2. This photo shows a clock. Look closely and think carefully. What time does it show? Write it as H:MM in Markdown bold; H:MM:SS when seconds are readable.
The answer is **9:24:44**
